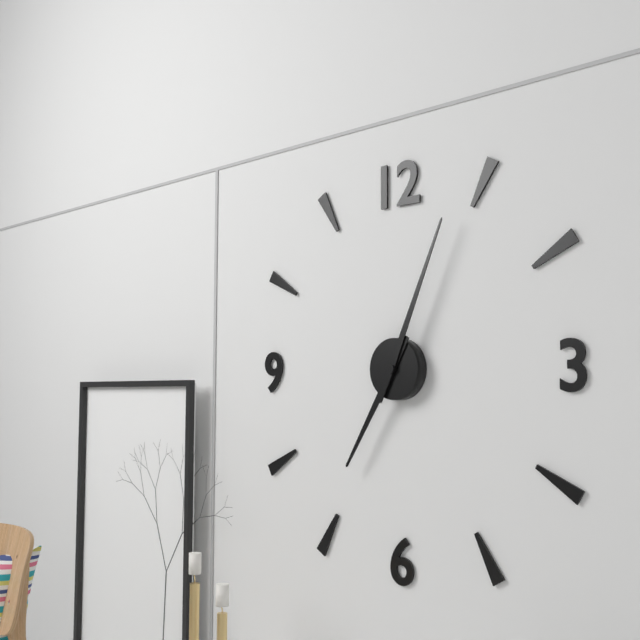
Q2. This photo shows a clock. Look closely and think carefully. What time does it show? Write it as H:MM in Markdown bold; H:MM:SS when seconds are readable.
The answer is **7:04**
